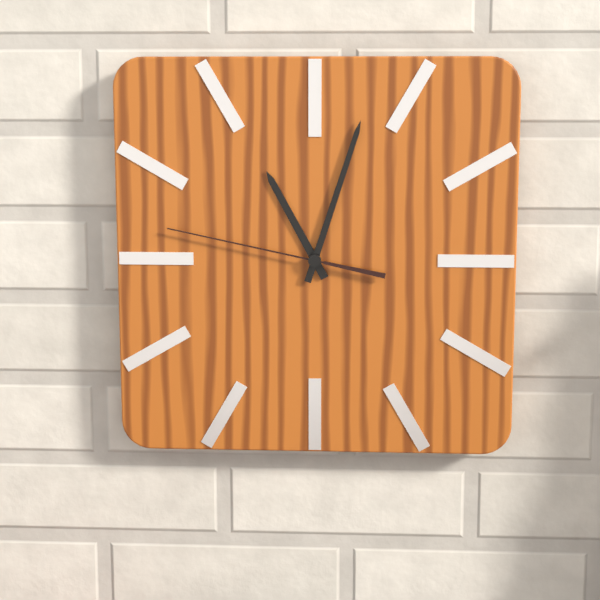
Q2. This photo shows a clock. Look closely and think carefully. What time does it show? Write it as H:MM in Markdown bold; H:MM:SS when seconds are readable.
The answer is **11:03:47**
